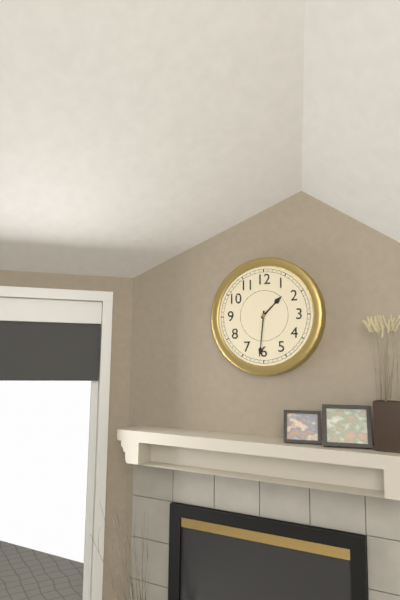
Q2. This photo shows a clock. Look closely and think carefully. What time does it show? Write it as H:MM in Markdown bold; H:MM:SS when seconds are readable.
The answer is **1:31**
